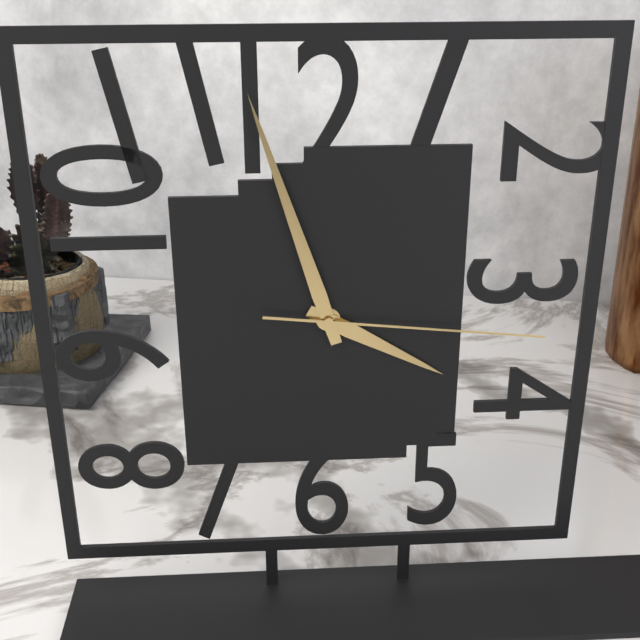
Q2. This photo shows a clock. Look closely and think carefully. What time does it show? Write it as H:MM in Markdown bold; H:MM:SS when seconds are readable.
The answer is **3:57:16**
